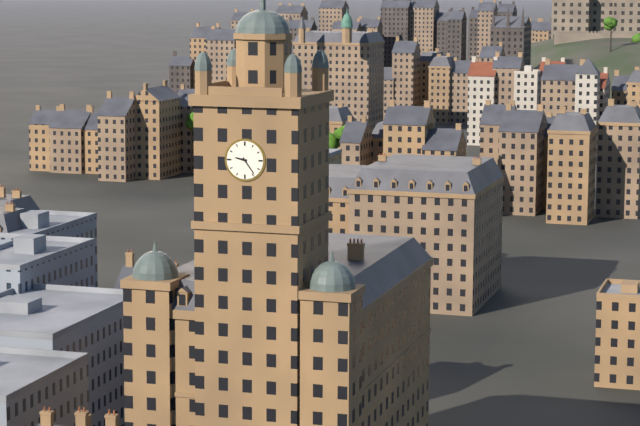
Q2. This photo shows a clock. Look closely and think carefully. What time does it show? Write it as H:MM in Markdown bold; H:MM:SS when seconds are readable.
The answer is **9:24**
